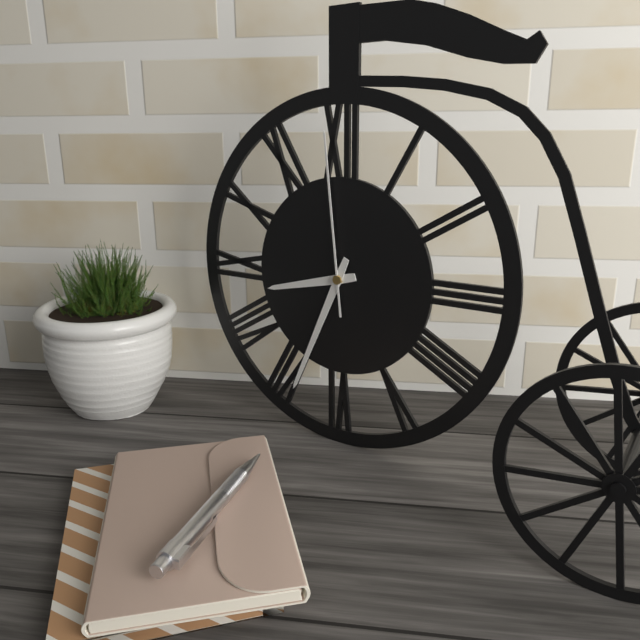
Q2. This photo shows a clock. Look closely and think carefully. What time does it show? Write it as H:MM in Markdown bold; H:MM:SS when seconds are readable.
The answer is **8:34:59**
